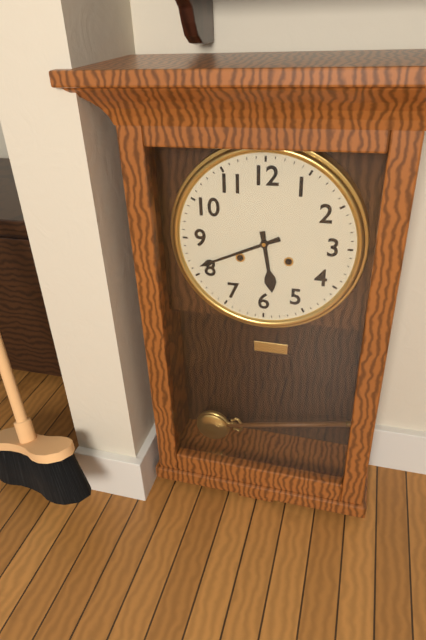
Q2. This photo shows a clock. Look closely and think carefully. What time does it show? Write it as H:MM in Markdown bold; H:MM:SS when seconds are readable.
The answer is **5:41**
